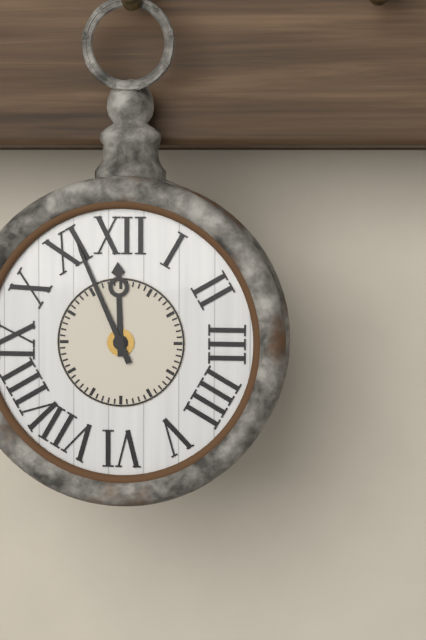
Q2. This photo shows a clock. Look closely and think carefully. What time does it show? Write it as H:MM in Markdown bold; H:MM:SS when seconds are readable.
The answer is **11:56**
